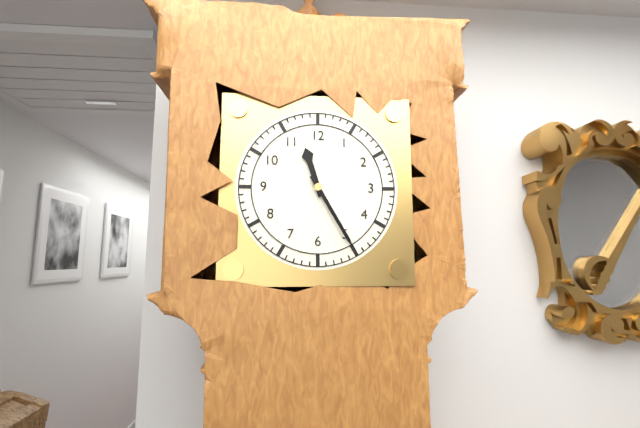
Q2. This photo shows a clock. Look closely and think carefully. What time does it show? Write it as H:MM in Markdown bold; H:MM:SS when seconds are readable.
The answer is **11:25**
